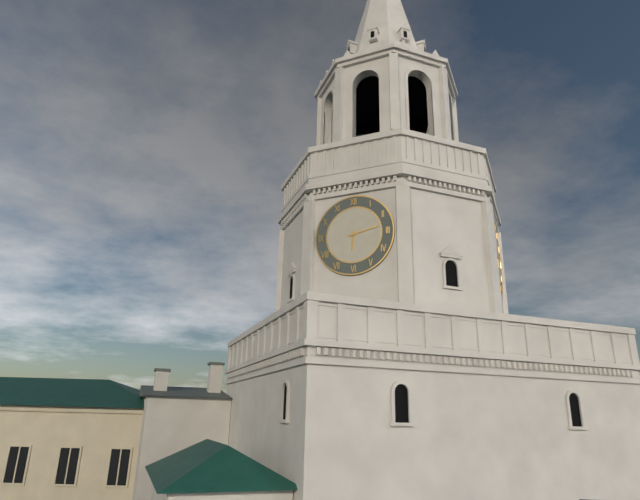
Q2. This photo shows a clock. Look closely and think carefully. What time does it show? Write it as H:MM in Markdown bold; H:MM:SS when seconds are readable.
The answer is **6:13**
